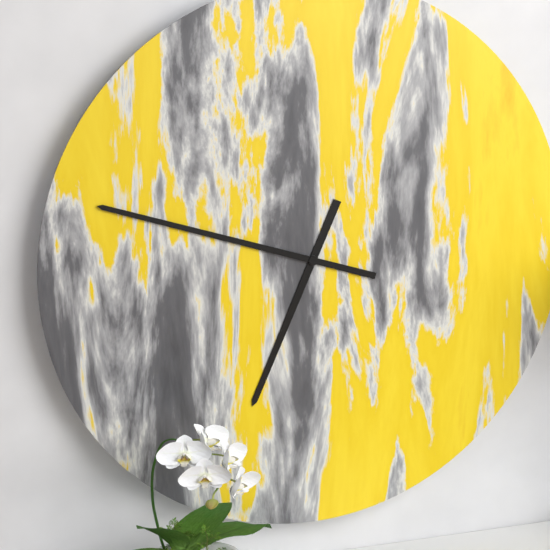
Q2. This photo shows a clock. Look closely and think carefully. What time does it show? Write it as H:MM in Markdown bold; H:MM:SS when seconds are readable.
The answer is **6:48**
